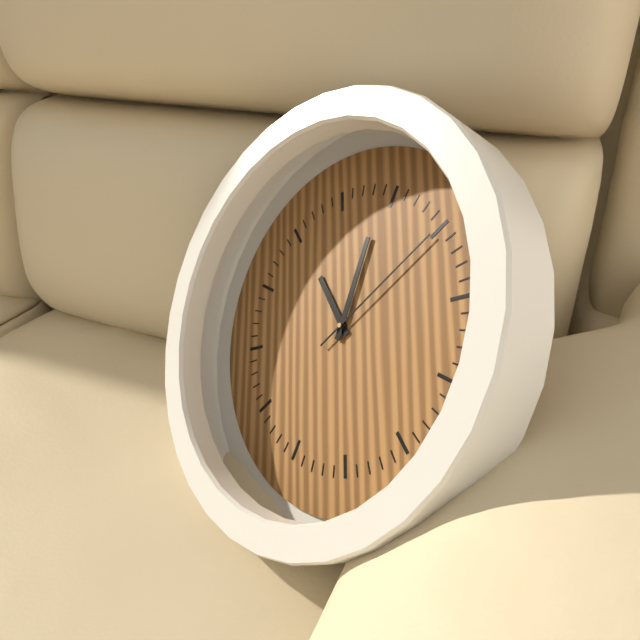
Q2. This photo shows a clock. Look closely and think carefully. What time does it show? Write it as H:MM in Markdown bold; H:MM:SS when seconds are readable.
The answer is **11:04:10**
